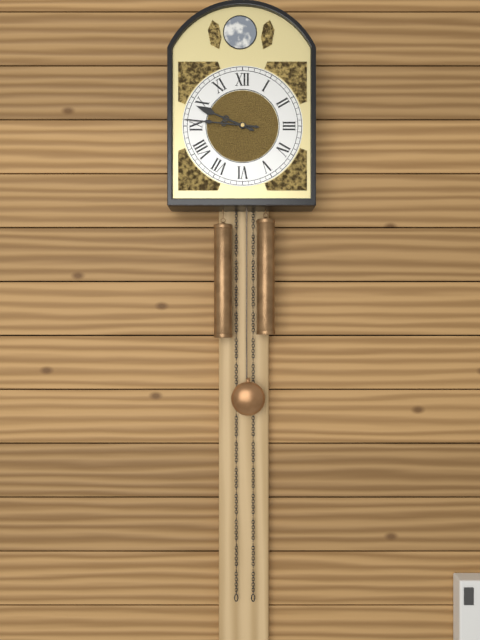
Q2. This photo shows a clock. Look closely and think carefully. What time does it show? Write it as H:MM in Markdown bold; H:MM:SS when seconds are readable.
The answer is **9:46**
